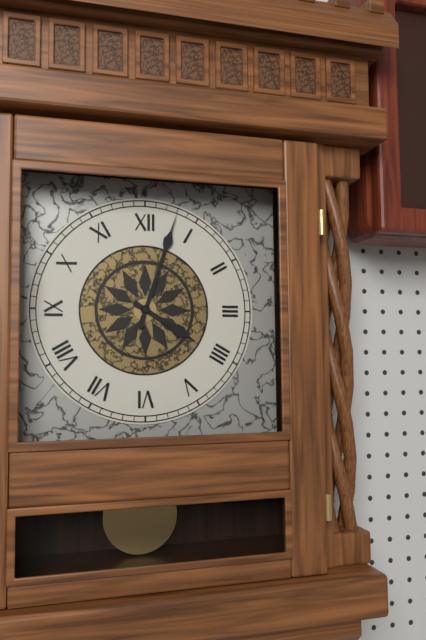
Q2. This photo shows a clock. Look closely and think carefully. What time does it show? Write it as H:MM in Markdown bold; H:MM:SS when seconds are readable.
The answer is **4:03**
